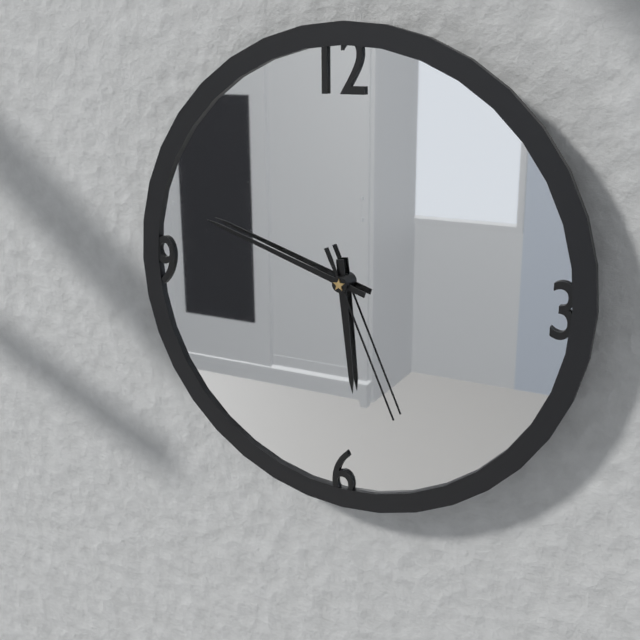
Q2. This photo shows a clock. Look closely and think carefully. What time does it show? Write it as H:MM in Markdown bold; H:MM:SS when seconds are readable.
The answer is **5:48:26**
